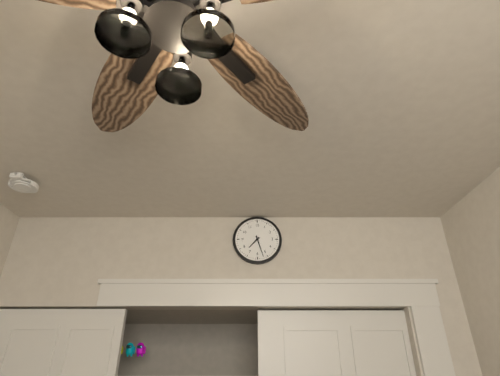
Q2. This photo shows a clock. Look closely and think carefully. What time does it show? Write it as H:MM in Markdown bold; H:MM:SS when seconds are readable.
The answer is **7:27**
